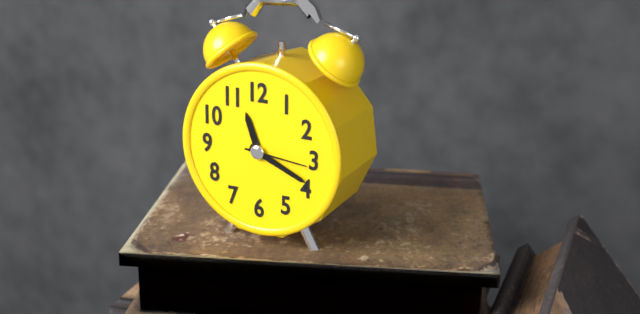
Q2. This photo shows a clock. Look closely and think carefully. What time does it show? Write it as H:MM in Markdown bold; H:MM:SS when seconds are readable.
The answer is **11:19:16**
